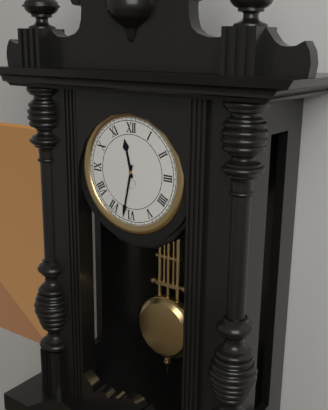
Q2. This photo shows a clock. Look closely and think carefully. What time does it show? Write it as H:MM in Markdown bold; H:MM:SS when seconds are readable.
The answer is **11:32**
